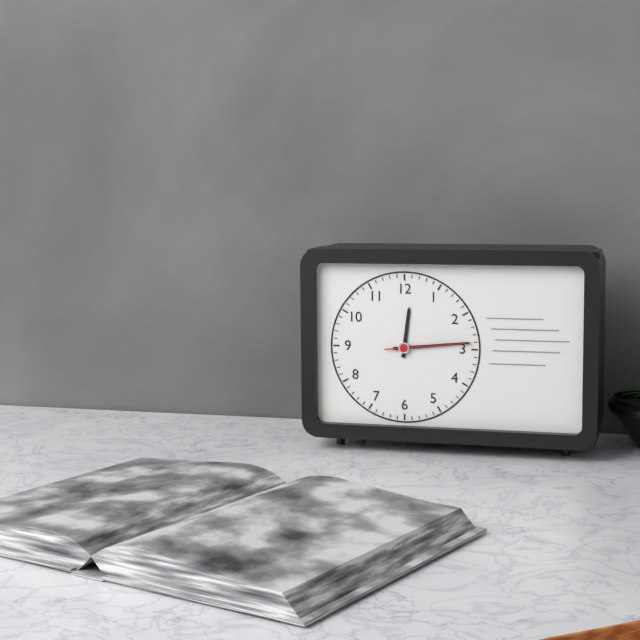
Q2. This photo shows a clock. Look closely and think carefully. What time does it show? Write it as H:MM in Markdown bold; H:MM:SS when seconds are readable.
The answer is **12:14:14**
